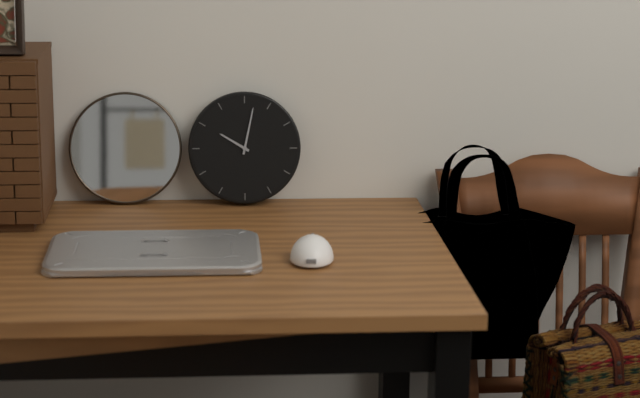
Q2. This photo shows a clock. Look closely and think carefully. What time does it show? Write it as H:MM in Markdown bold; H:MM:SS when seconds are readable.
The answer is **10:02**
